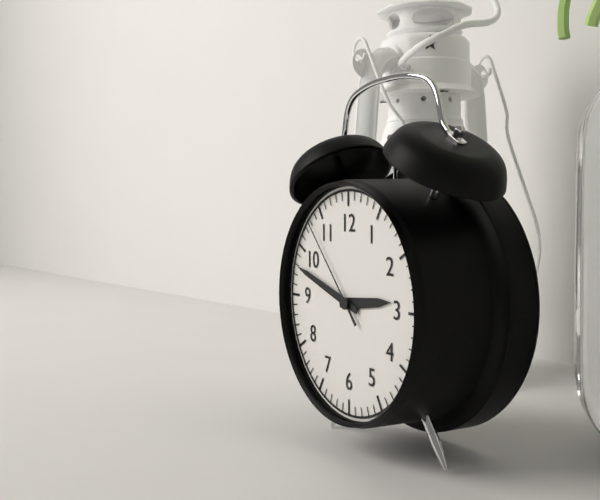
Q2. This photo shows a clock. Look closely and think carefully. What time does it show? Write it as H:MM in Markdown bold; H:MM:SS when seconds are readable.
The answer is **2:48:53**
